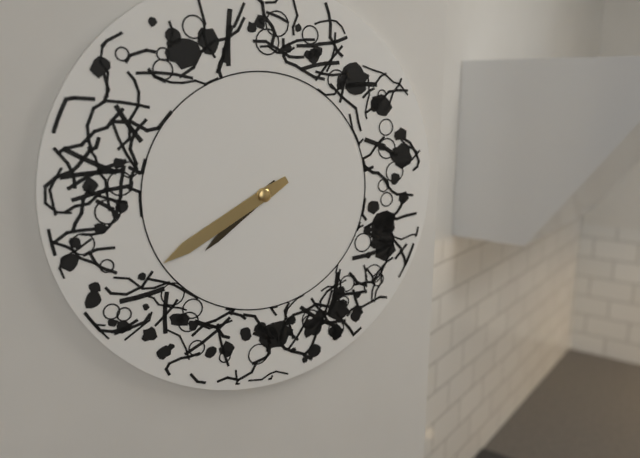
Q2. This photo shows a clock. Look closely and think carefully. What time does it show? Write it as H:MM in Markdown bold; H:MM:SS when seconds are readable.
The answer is **7:40**
